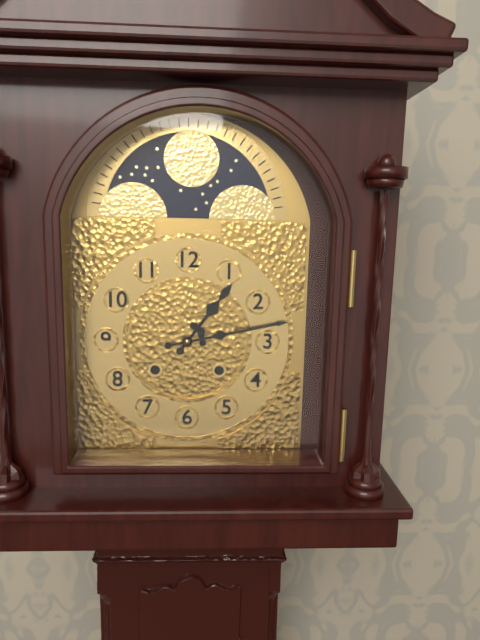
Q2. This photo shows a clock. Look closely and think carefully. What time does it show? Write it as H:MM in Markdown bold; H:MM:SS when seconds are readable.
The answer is **1:13**
